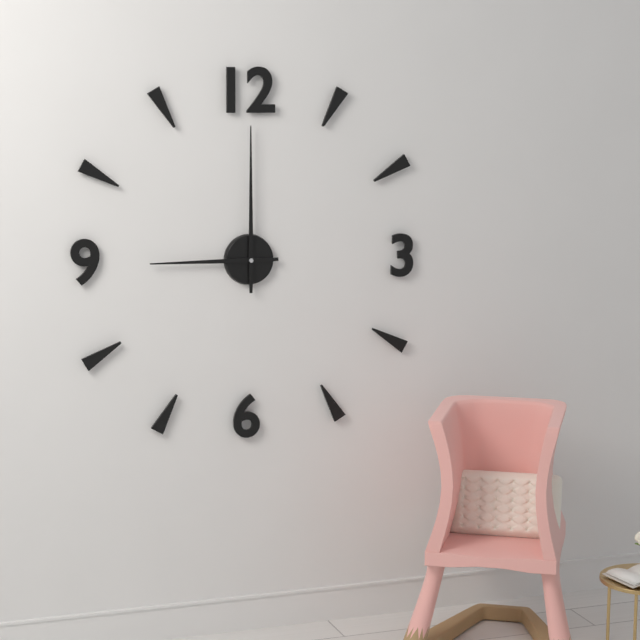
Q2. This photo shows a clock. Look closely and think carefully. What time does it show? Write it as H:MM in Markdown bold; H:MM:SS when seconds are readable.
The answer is **9:00**
